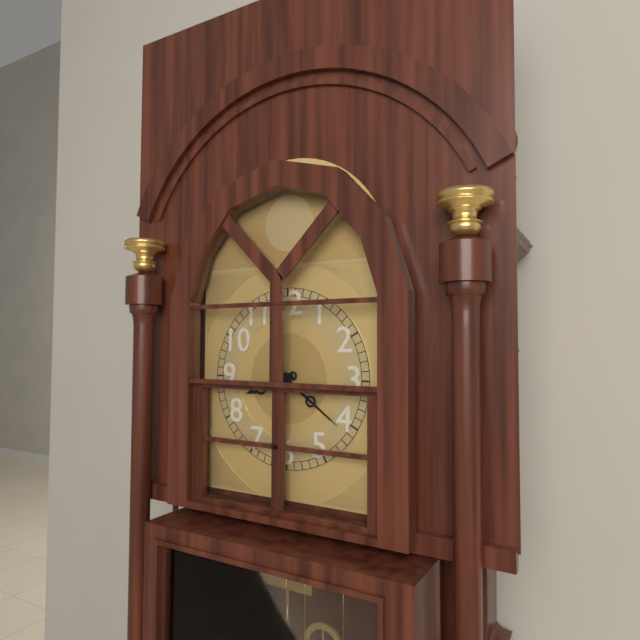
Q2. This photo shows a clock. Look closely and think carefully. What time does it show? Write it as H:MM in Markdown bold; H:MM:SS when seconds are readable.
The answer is **8:21**
